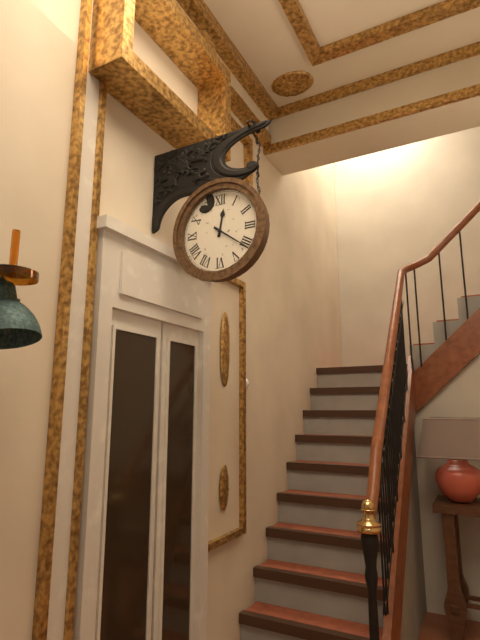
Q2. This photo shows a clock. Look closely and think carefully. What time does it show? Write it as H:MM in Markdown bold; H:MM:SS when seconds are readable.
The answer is **12:21**
